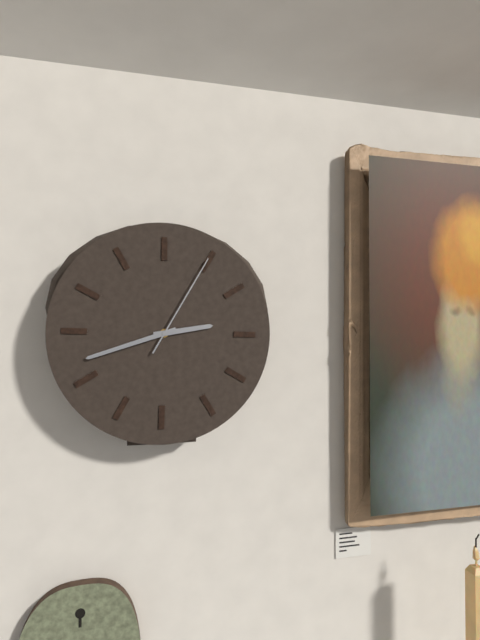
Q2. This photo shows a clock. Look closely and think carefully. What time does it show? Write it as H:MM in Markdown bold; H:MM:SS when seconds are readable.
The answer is **2:42:05**
